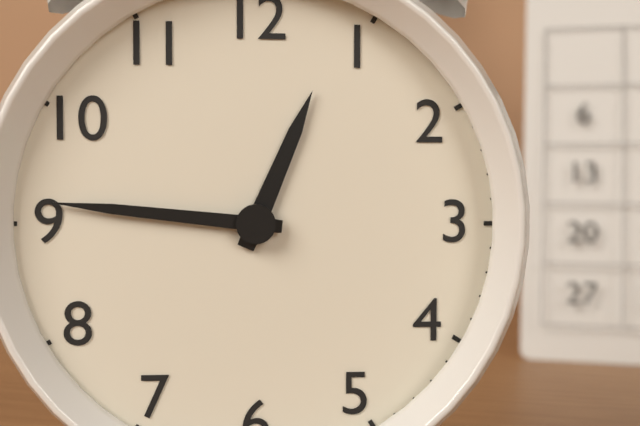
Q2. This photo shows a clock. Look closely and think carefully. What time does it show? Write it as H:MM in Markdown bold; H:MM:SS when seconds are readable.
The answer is **12:46**
